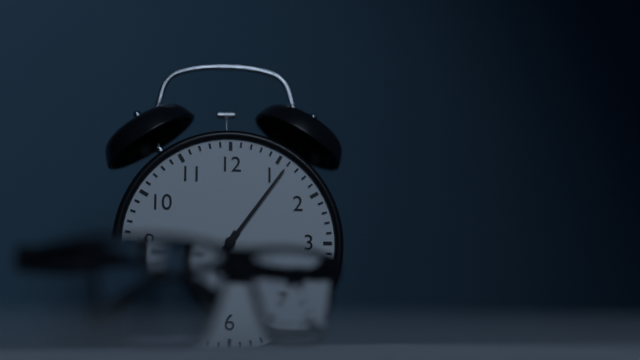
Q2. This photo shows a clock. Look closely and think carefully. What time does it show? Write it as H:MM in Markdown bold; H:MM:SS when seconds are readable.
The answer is **7:06**
